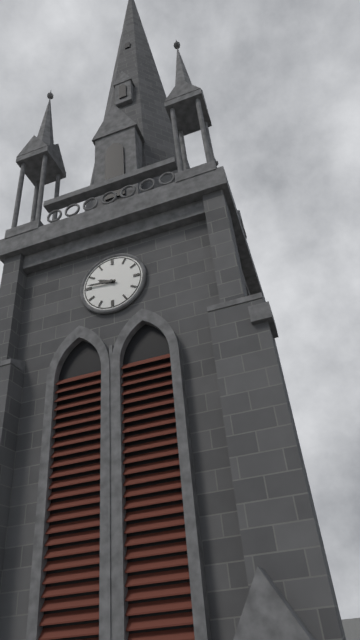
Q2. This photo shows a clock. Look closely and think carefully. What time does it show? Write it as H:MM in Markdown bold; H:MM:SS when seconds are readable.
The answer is **9:46**
